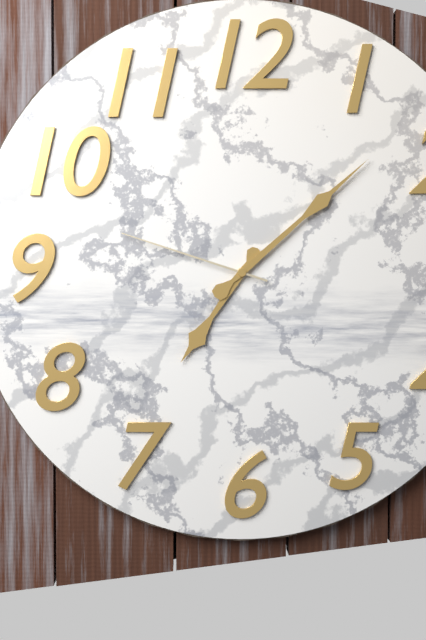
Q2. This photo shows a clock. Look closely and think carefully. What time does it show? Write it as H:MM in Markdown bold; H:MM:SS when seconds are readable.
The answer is **7:08:48**
